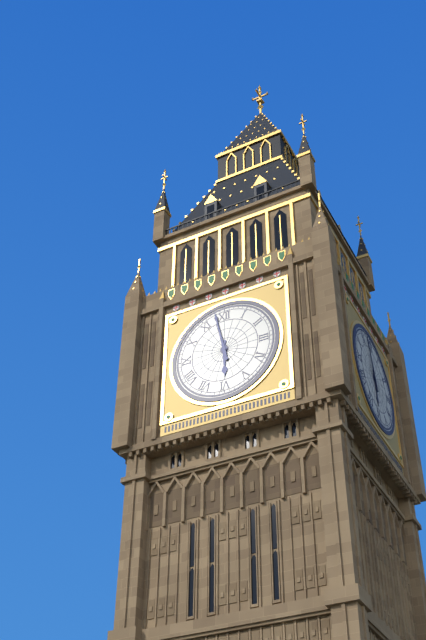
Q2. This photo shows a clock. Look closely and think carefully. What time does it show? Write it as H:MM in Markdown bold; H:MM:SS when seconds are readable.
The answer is **5:58**
